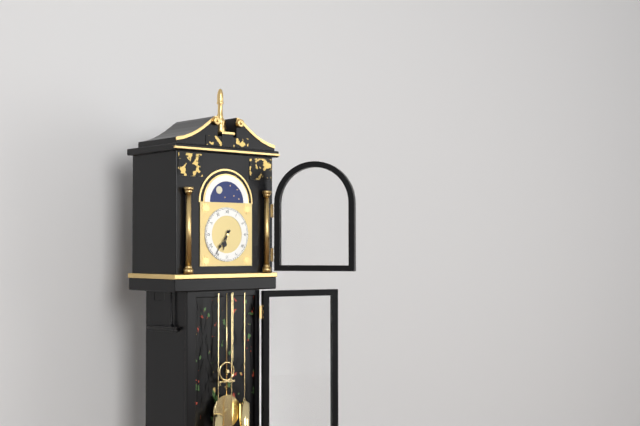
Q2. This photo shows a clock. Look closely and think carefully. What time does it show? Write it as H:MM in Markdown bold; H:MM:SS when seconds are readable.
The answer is **6:36**
